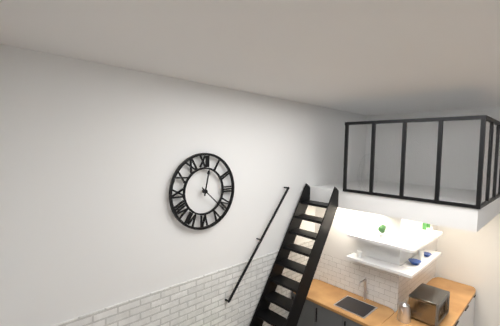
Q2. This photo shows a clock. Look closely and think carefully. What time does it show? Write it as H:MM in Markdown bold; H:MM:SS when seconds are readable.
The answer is **12:22**
